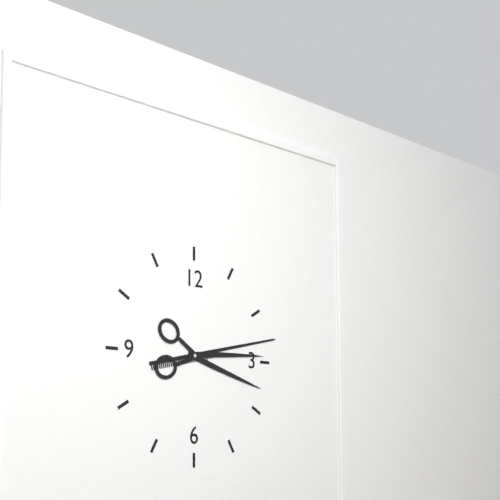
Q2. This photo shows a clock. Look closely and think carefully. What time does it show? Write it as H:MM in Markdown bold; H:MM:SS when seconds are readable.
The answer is **3:13**
